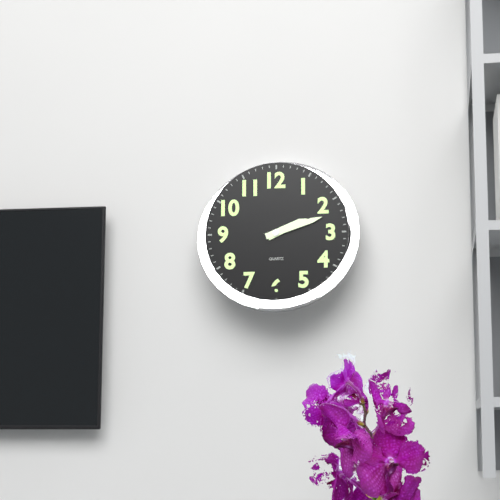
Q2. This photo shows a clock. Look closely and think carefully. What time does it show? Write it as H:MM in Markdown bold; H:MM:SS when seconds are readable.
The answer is **2:12**
